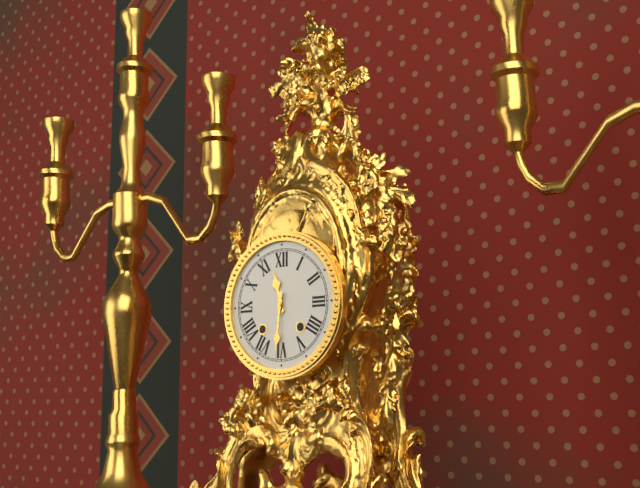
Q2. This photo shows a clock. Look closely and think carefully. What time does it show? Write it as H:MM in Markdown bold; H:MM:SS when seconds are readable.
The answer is **11:31**
